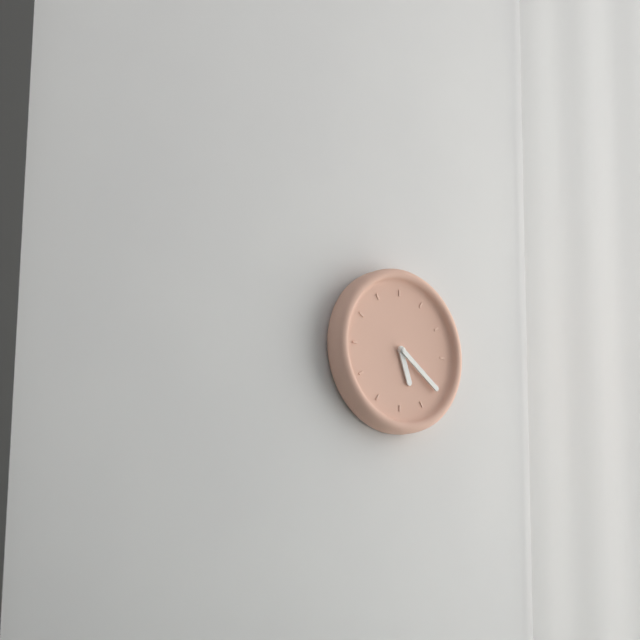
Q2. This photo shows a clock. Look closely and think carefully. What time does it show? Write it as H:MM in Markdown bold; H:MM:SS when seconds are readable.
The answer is **5:21**
